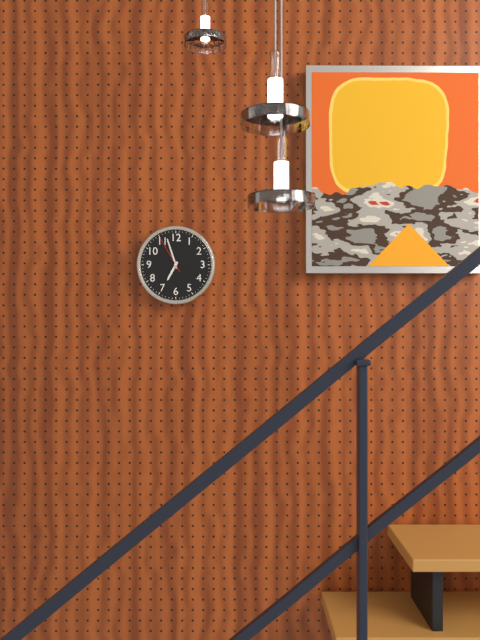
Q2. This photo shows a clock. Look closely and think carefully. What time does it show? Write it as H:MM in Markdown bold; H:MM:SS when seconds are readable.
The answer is **6:57**
